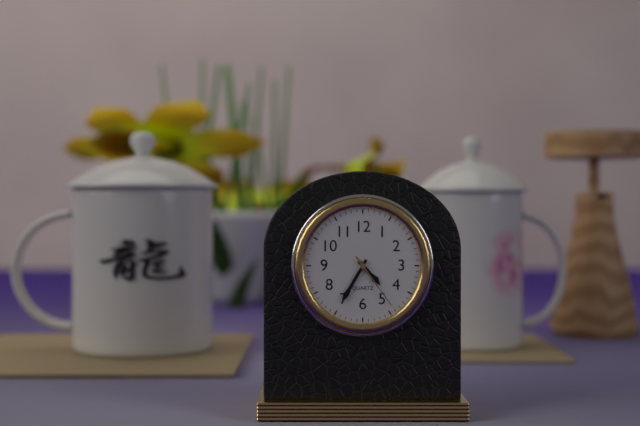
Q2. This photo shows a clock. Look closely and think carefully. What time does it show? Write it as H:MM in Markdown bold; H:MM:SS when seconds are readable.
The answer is **4:35:24**
